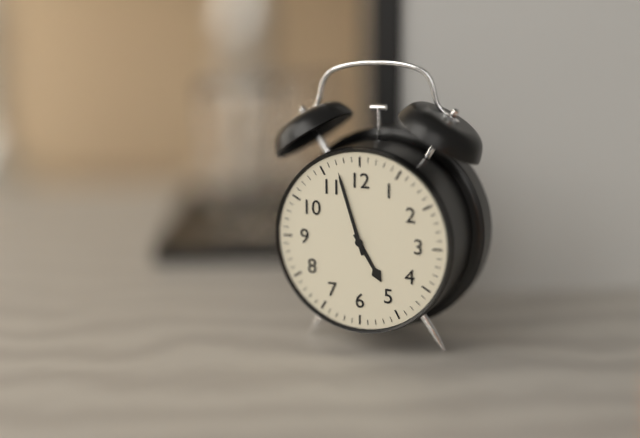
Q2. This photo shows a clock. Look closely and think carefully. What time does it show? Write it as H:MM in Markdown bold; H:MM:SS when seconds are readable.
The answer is **4:57**
